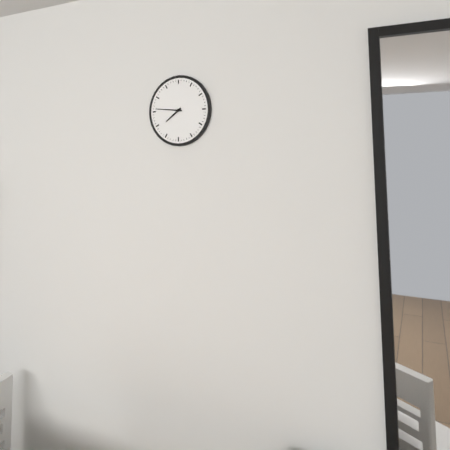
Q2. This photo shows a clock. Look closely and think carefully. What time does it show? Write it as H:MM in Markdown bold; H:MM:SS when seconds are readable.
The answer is **7:46**
